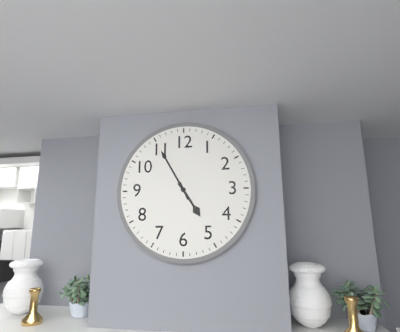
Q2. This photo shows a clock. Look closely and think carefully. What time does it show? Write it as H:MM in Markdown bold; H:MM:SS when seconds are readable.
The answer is **4:55**
